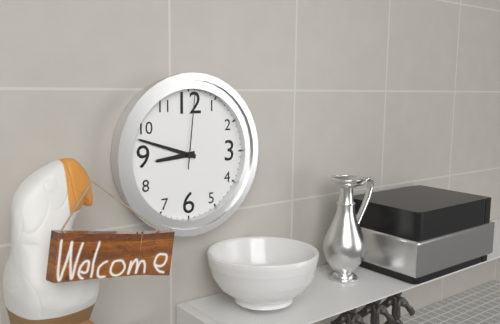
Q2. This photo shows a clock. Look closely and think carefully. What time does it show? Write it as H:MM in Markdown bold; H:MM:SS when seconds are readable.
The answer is **8:48:01**
